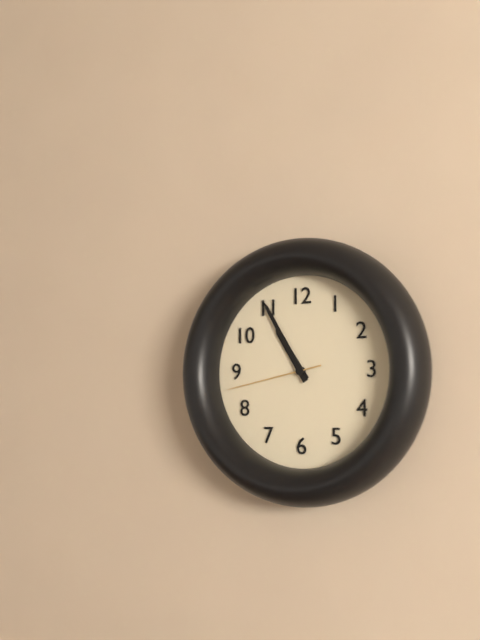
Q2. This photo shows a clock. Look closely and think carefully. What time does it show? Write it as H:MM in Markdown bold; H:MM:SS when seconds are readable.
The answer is **10:55:43**
